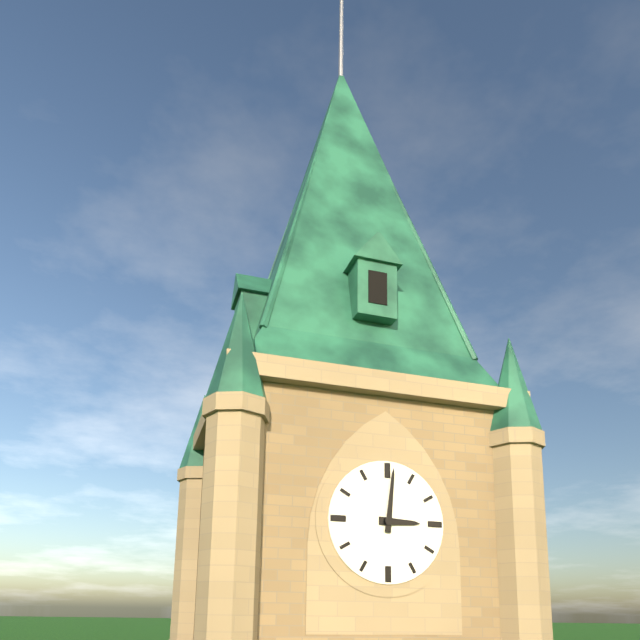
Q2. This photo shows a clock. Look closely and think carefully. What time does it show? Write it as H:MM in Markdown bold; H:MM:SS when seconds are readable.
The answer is **3:01**
